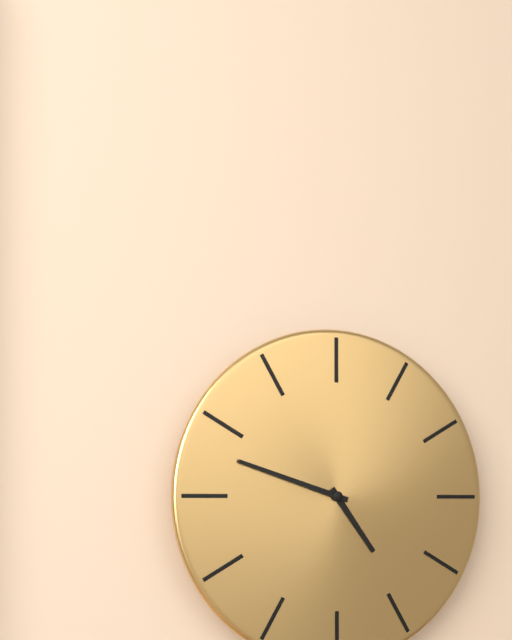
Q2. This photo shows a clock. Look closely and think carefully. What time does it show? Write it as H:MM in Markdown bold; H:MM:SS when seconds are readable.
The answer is **4:48**
